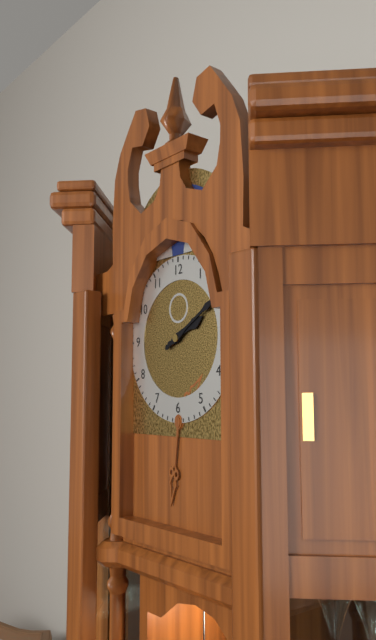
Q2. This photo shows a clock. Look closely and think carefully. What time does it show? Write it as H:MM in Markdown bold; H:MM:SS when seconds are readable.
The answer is **2:10**
